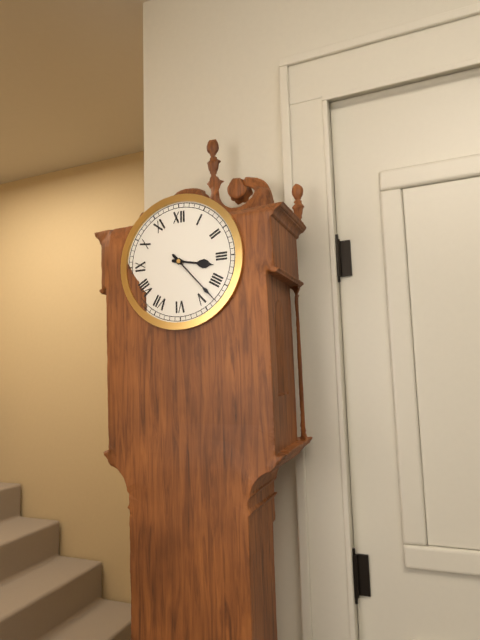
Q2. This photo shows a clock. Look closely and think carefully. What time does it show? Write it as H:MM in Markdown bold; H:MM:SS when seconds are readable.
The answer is **3:23**
